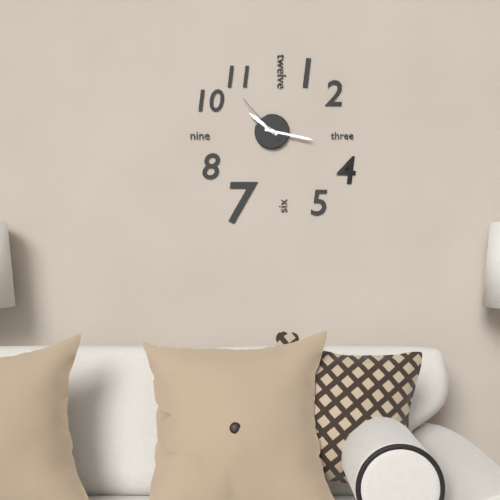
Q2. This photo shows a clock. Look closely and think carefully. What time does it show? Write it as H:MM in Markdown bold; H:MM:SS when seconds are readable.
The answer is **10:17:53**
